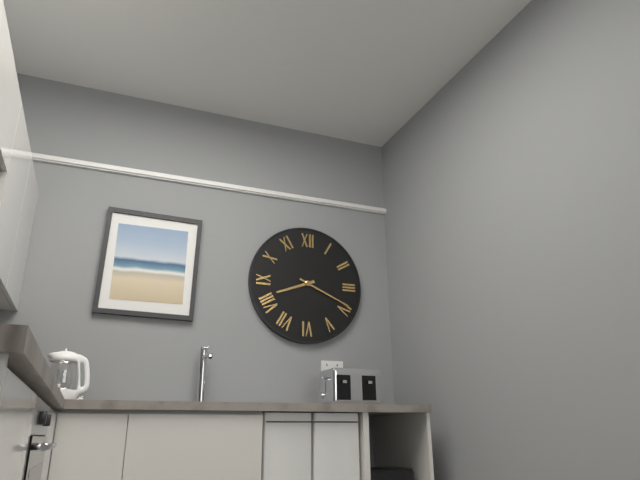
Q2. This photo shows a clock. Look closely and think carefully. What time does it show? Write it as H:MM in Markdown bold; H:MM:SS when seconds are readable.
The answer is **8:19**
